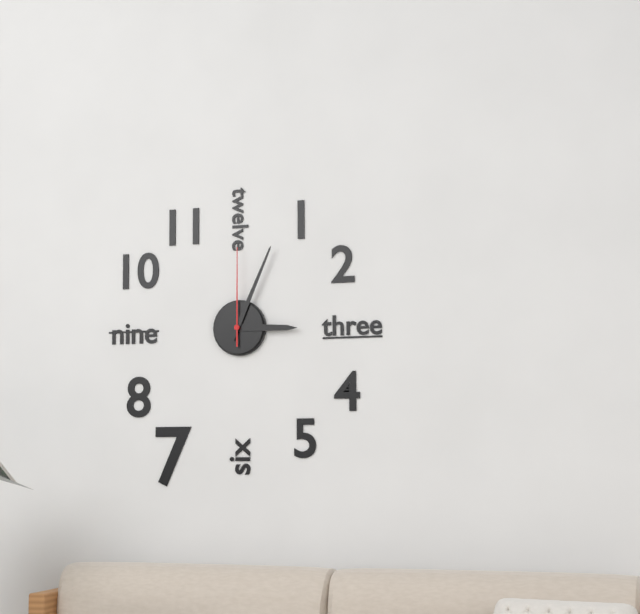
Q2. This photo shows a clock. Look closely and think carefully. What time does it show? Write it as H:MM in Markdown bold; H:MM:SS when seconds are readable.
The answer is **3:04:00**
